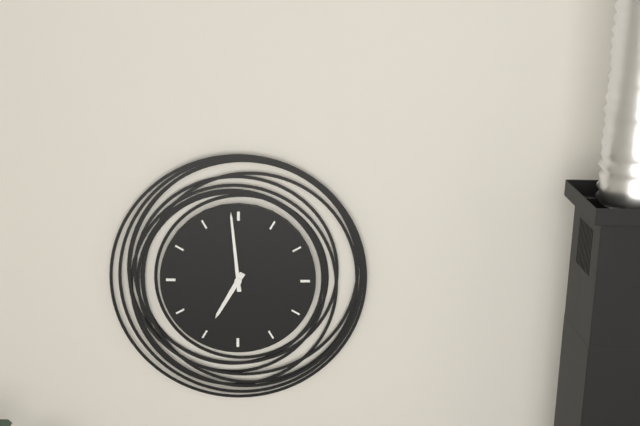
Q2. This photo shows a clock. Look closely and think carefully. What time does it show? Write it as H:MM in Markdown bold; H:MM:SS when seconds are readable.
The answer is **6:59**
